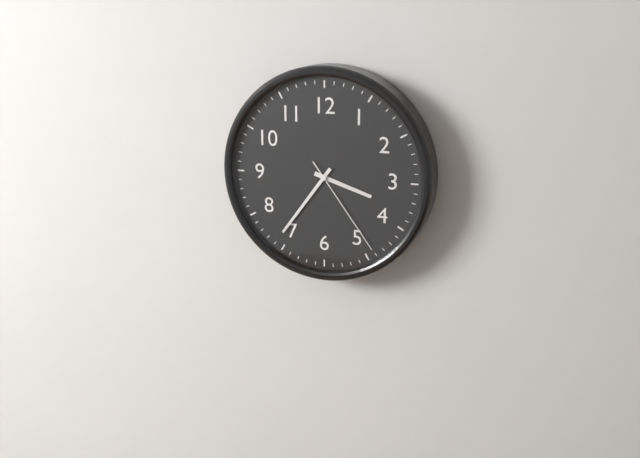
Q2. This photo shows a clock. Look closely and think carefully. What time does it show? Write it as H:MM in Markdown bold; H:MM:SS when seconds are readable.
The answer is **3:36:24**
